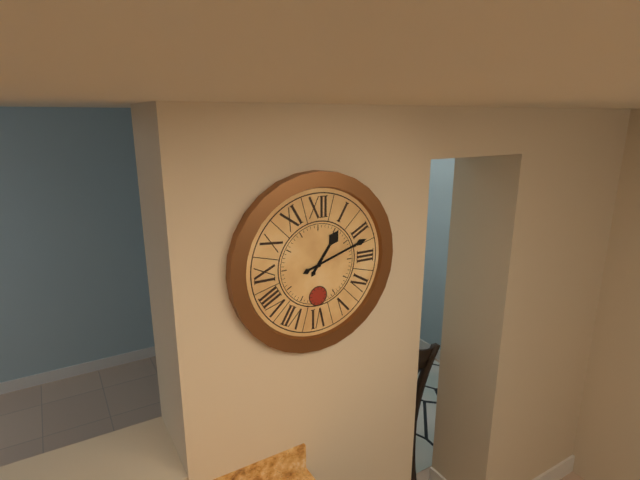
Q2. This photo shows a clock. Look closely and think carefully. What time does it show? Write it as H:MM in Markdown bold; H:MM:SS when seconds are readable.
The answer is **1:12**
